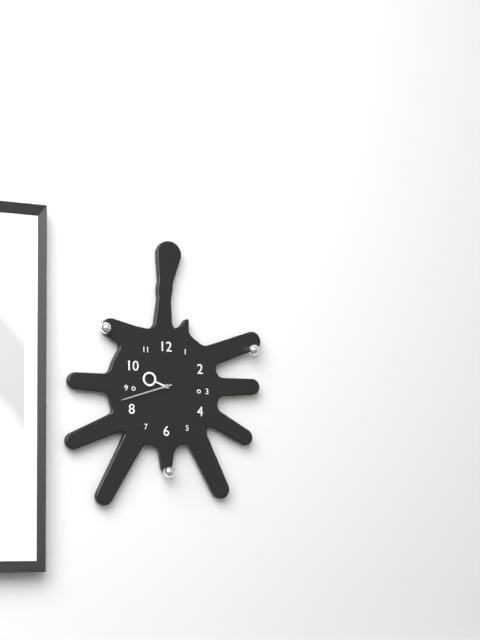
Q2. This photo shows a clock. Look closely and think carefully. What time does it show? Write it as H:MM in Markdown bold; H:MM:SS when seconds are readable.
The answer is **9:42**
